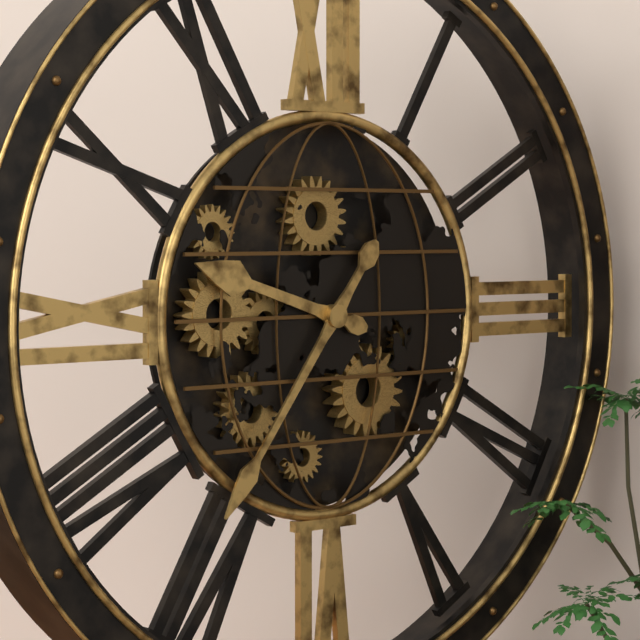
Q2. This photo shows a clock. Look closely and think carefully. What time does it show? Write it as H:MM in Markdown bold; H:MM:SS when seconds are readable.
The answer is **9:36**
